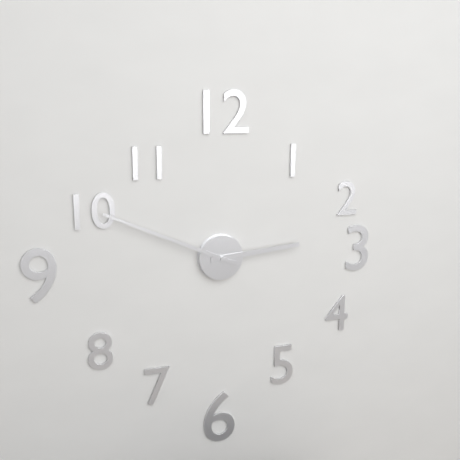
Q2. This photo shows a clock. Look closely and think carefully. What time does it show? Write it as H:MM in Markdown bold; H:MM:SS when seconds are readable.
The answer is **2:49**
